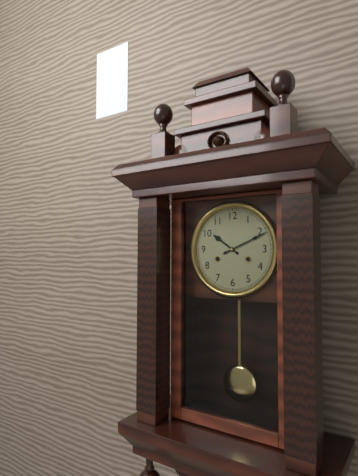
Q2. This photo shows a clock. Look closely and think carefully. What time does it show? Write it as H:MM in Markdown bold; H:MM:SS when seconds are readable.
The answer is **10:11**
